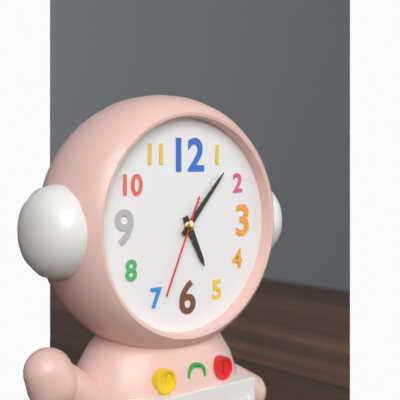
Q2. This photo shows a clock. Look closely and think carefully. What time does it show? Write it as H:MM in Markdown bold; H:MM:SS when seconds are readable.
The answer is **5:07:34**
